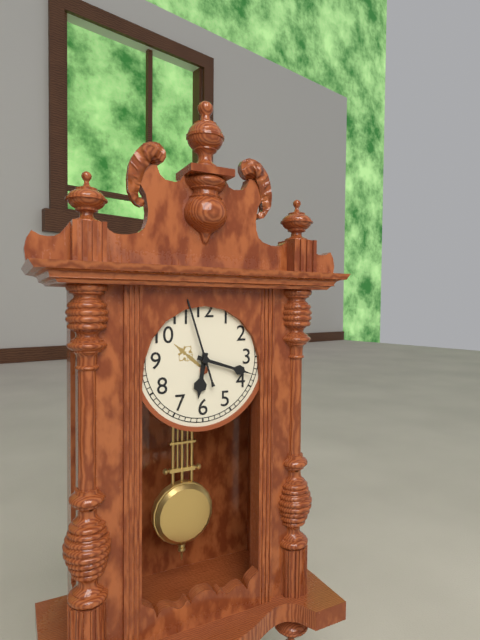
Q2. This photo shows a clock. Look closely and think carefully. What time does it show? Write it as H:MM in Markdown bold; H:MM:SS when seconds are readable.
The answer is **6:18:57**
